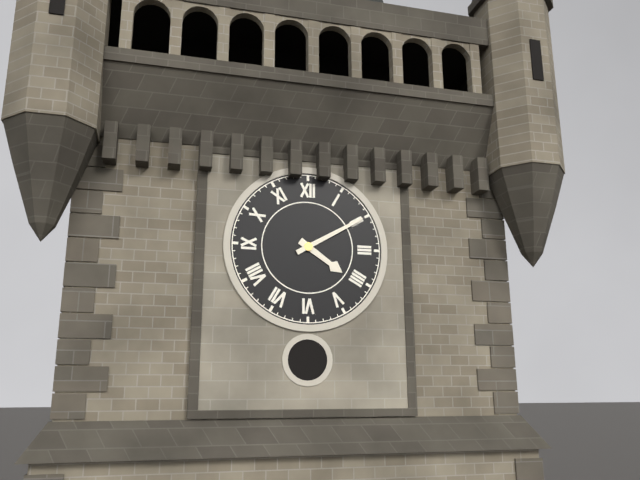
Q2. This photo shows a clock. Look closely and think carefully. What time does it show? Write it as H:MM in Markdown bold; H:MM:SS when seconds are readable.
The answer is **4:10**
